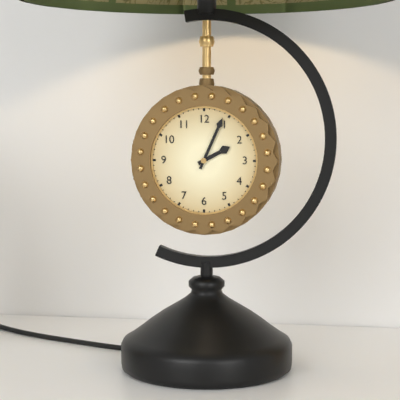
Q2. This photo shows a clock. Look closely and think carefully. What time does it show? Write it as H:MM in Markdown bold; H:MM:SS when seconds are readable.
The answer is **2:04**
